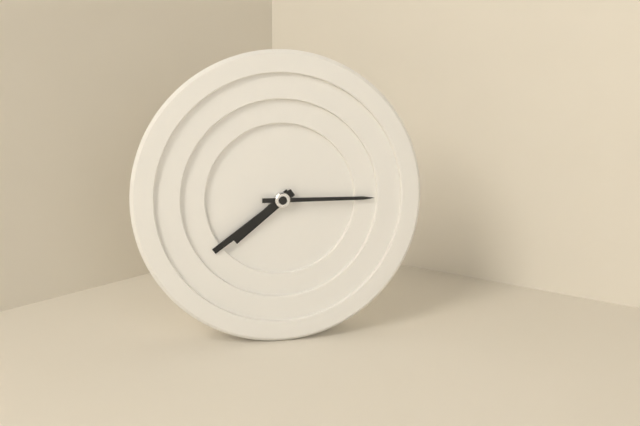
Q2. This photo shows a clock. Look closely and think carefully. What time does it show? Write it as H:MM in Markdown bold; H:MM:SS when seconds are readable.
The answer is **7:39:15**
